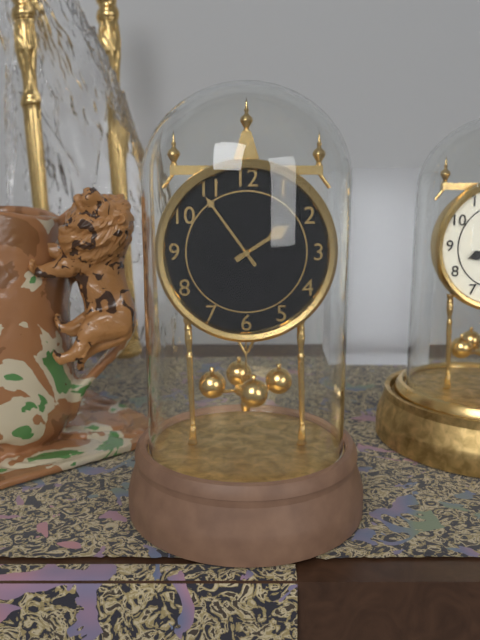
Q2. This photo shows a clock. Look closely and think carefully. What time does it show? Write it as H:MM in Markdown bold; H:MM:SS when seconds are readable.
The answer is **1:54**
